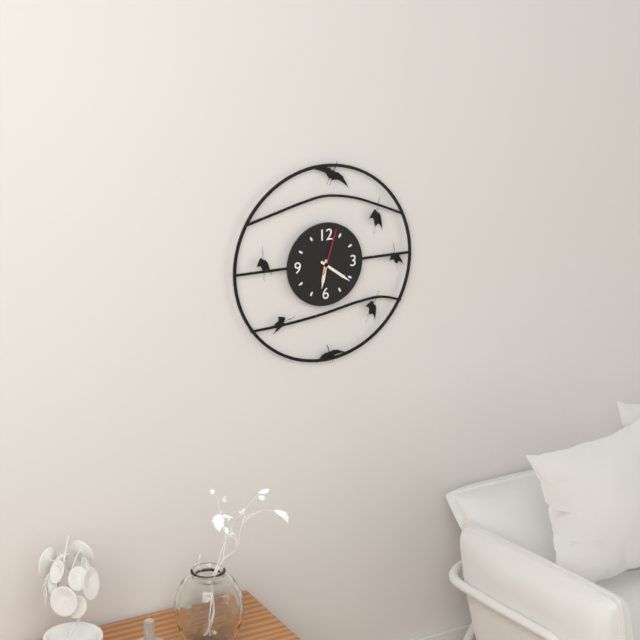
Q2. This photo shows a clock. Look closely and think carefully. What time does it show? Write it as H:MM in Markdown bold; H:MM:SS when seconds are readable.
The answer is **6:21**
